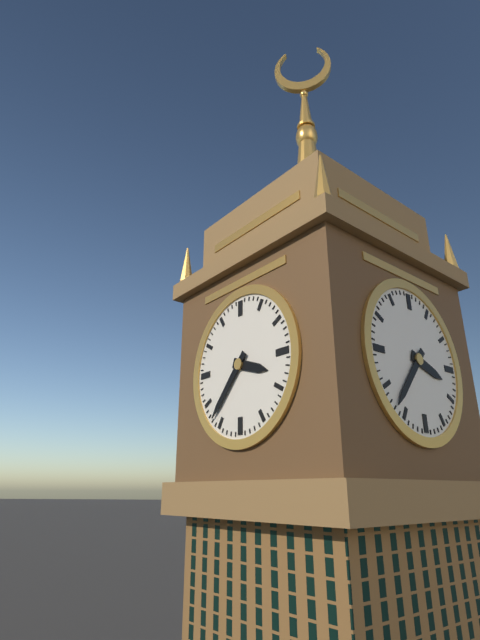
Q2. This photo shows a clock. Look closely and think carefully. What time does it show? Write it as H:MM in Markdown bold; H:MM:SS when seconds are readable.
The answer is **3:37**
